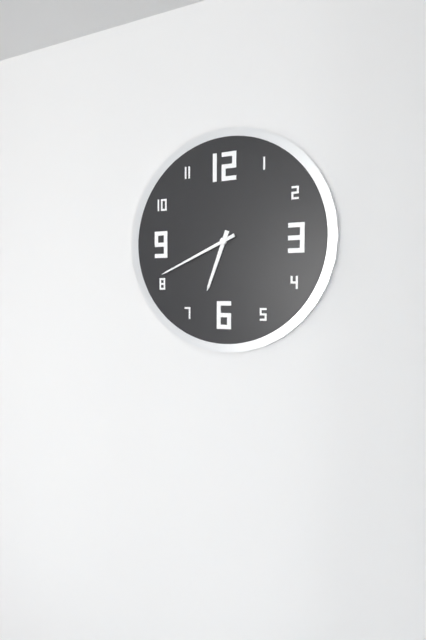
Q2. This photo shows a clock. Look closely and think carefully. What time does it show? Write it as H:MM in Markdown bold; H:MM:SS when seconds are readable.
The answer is **6:41**
